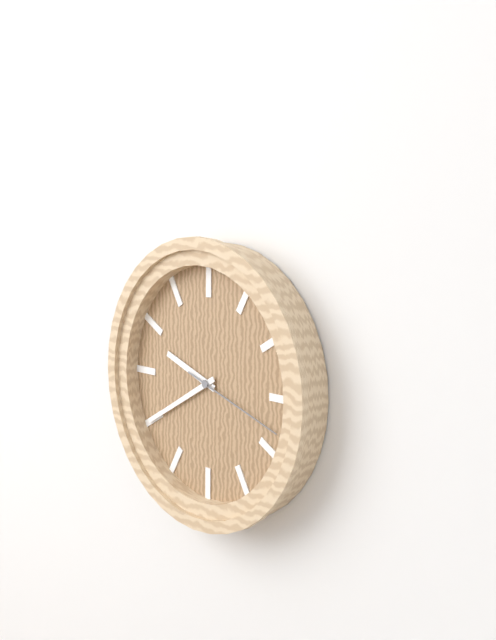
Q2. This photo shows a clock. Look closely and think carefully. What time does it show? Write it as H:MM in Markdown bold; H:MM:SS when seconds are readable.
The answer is **9:40:18**
